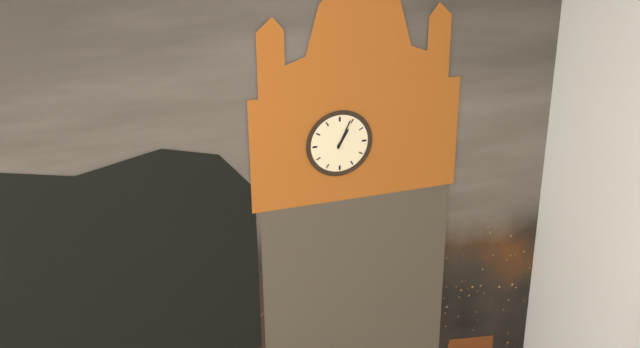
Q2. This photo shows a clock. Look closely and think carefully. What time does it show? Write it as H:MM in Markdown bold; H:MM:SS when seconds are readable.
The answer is **1:04**
